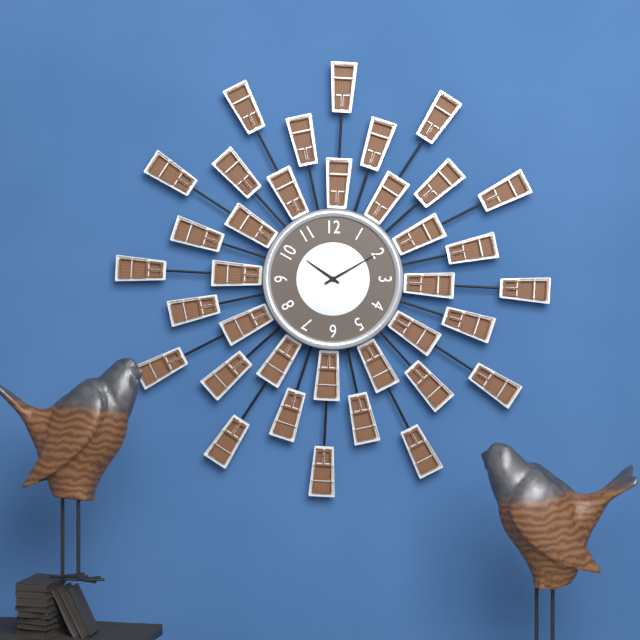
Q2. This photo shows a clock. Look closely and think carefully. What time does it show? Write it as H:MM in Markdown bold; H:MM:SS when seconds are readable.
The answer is **10:10**
